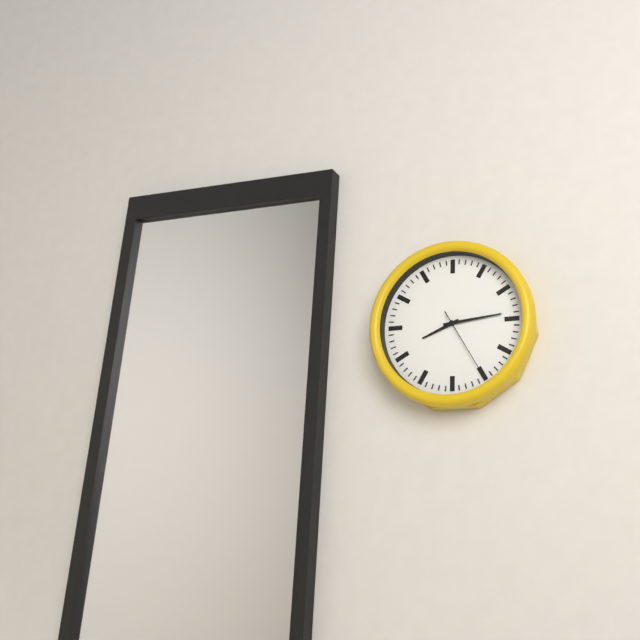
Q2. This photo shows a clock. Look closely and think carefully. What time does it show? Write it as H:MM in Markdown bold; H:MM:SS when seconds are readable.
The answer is **8:14:25**
